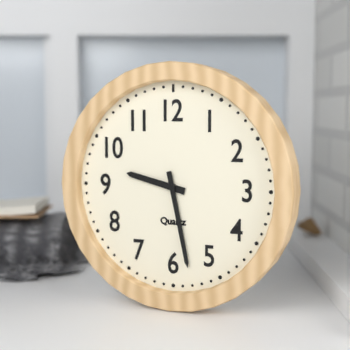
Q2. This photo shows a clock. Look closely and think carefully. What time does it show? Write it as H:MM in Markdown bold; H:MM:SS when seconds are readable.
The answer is **9:28**
